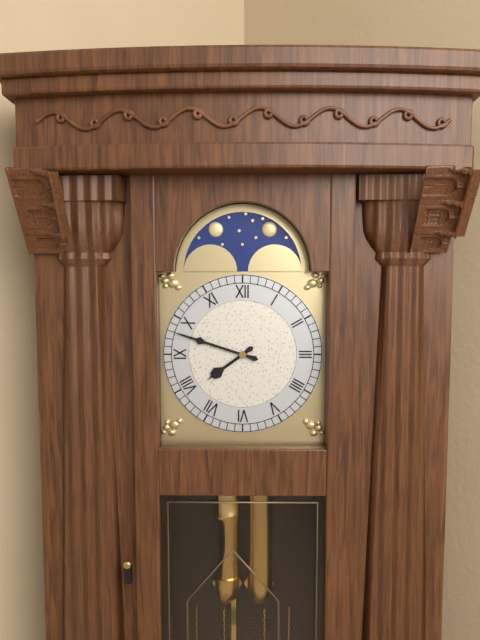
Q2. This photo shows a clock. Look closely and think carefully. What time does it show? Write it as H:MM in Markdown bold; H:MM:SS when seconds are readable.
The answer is **7:48**
